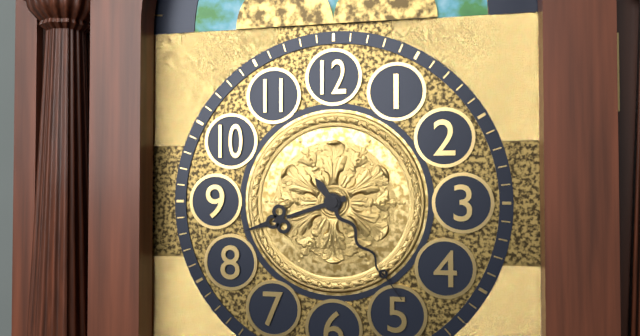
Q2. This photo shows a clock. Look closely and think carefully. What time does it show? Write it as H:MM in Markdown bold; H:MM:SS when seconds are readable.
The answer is **8:24**
